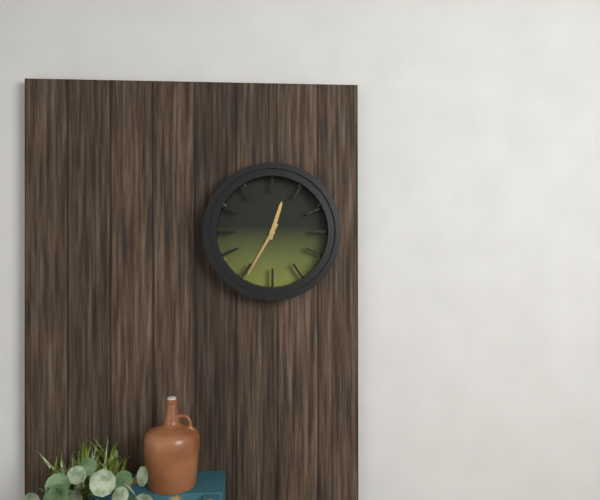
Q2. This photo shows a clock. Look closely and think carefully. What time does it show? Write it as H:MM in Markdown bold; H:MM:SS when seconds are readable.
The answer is **12:35**
